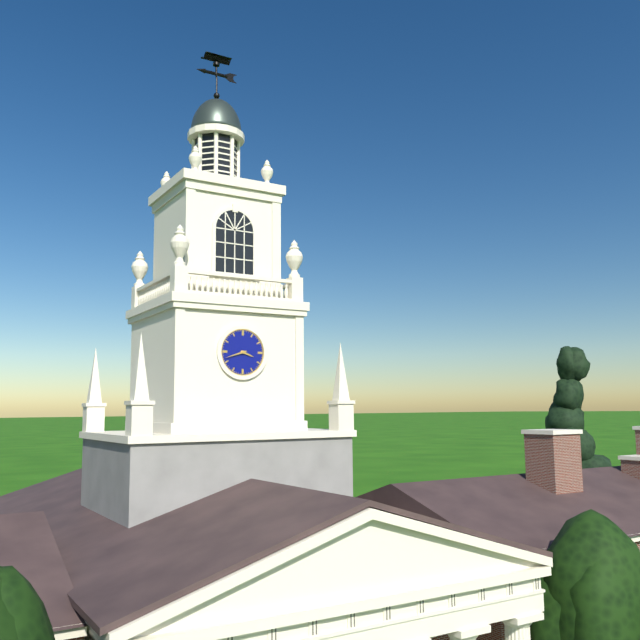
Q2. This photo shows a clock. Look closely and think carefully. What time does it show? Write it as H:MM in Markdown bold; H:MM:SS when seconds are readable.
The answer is **3:42**
